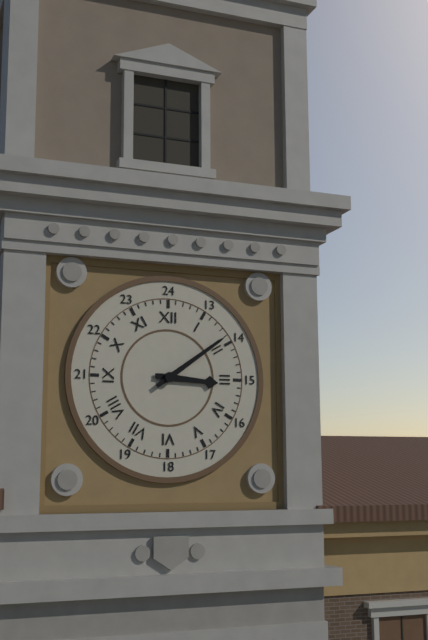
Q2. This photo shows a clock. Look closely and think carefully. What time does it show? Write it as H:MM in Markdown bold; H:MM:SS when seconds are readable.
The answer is **3:09**
